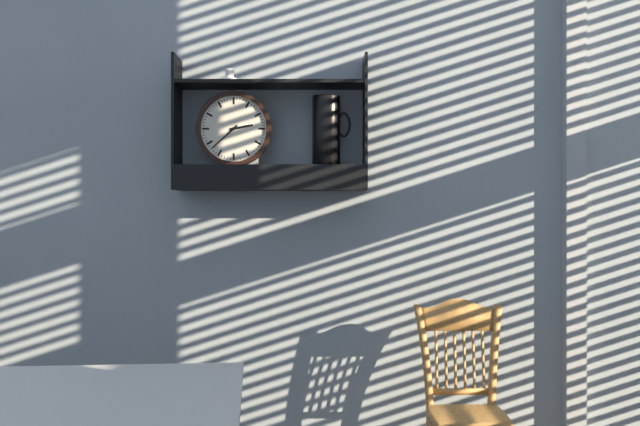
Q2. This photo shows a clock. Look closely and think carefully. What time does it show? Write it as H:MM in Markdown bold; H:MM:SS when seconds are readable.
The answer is **2:38**
